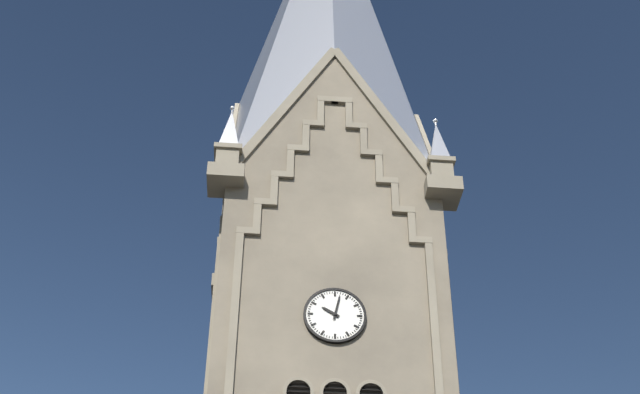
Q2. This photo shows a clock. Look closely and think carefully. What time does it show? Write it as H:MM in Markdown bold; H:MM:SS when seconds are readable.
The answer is **10:02**
